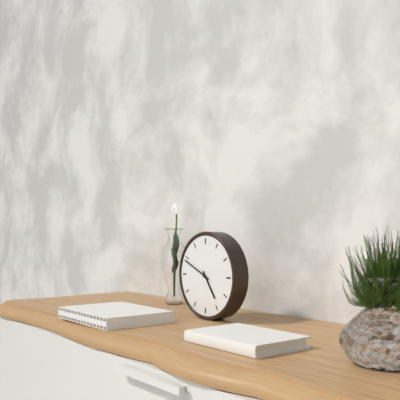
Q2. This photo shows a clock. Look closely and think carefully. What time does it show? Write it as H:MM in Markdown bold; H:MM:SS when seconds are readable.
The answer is **4:49**
